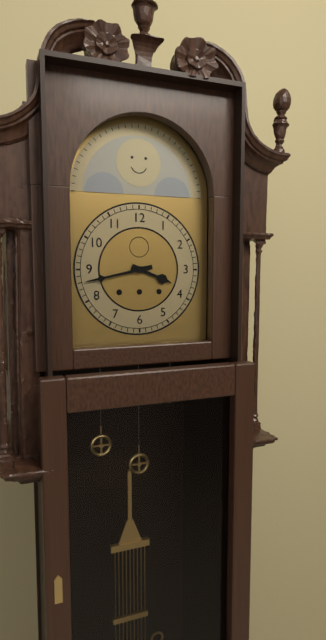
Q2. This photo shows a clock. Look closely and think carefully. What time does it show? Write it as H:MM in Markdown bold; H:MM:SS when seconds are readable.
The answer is **3:43**
